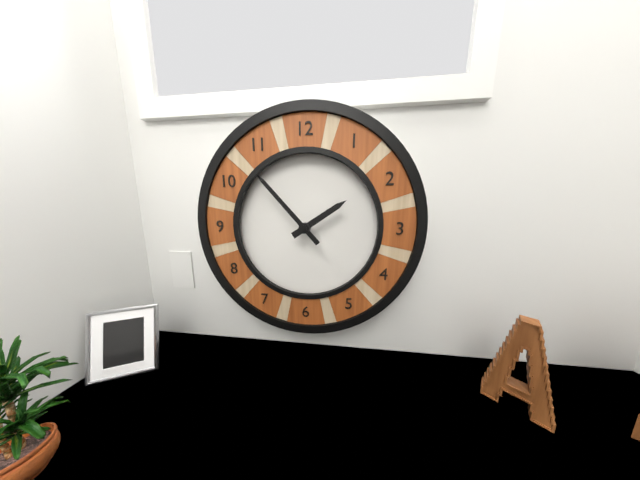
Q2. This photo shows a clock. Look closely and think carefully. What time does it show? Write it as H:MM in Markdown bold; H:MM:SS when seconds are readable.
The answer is **1:53**
